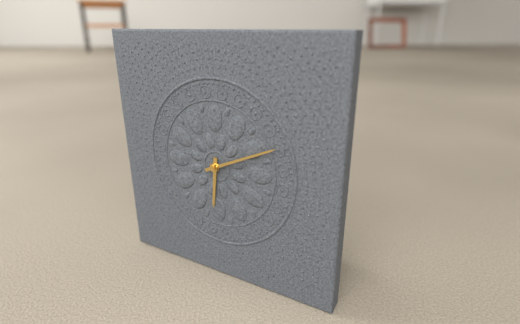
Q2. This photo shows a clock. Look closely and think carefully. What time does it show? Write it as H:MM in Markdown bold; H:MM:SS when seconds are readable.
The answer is **6:11**
